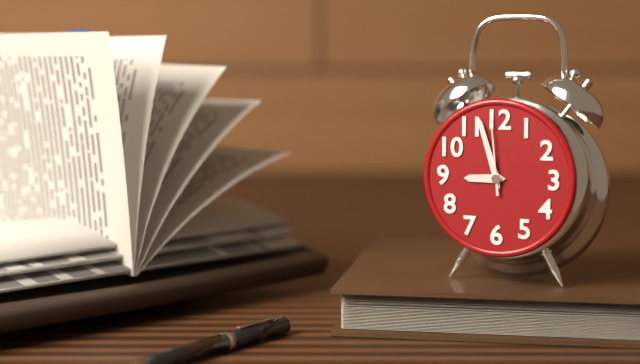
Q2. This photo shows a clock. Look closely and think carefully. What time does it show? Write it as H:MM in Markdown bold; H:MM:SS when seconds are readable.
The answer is **8:57:59**
